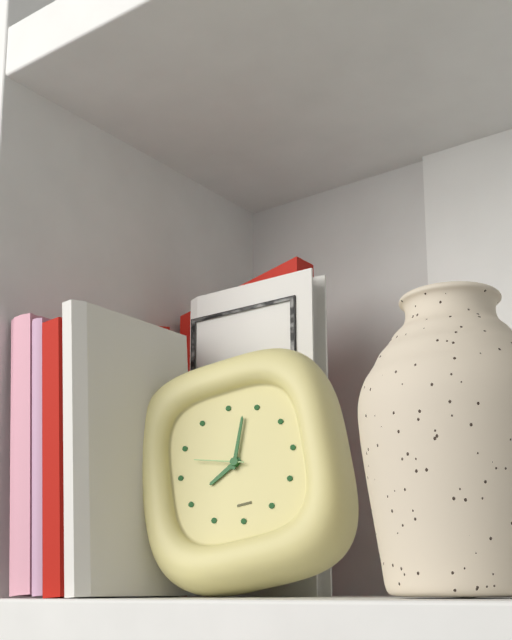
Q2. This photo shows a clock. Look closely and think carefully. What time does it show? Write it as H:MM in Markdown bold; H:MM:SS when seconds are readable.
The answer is **8:03:48**
